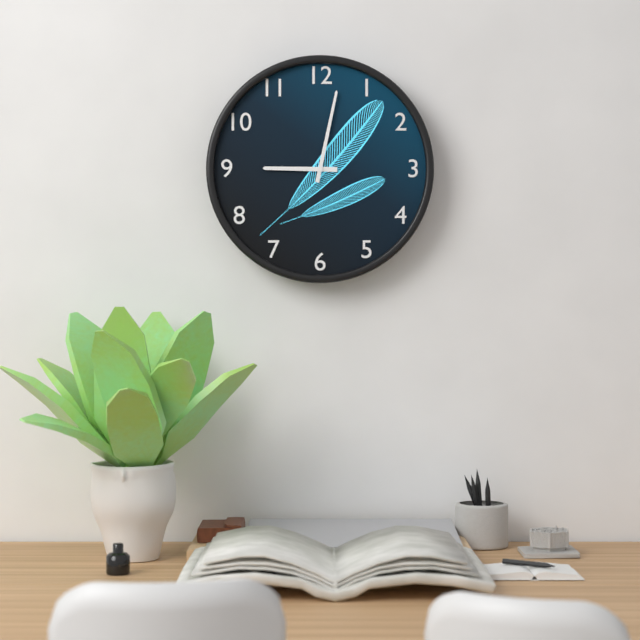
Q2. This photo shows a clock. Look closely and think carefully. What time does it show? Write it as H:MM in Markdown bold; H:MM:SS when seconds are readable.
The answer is **9:02**
